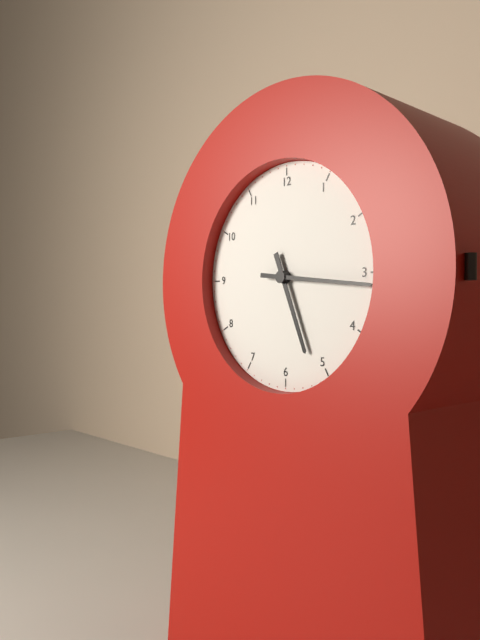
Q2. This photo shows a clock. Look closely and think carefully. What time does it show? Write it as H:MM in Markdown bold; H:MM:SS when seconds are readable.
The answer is **5:16**
